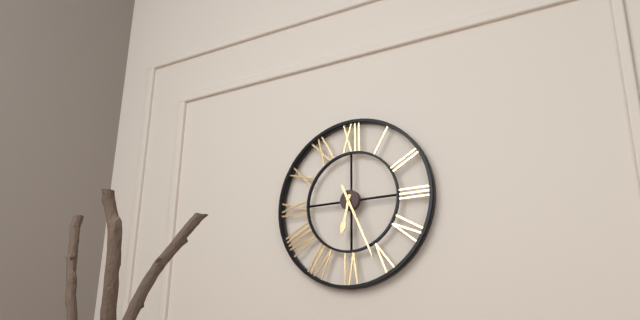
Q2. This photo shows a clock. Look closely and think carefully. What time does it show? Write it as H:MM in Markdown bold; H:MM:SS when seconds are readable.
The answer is **6:26**
